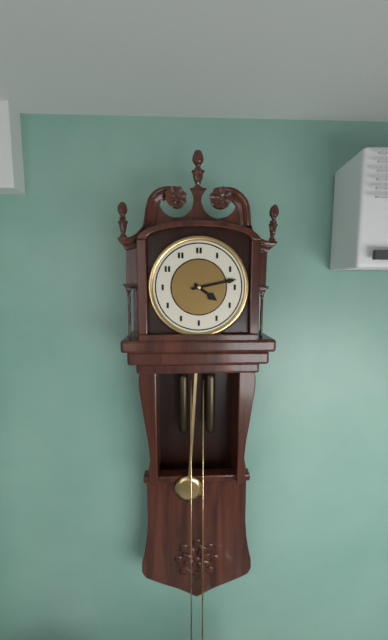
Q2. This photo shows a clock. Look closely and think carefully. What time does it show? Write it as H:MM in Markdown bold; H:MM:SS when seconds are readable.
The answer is **4:13**
